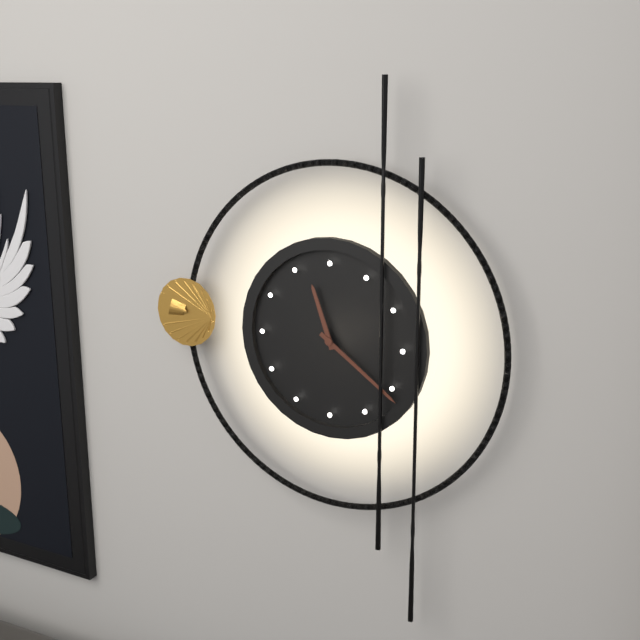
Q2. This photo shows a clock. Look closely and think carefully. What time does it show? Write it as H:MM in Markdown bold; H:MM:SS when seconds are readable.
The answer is **11:21**
